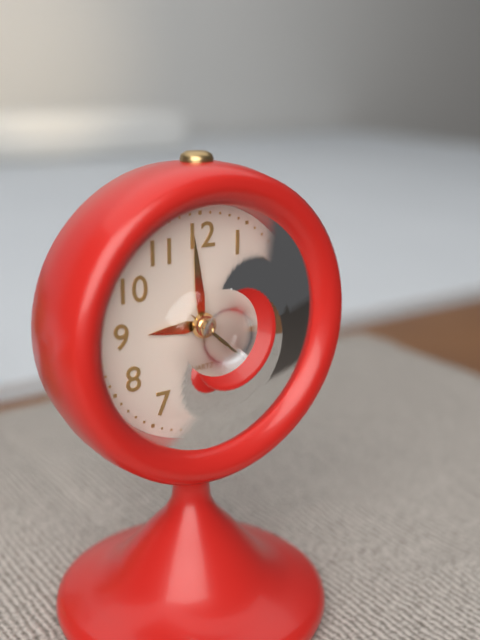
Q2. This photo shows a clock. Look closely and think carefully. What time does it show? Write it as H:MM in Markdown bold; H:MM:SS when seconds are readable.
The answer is **8:59:22**
